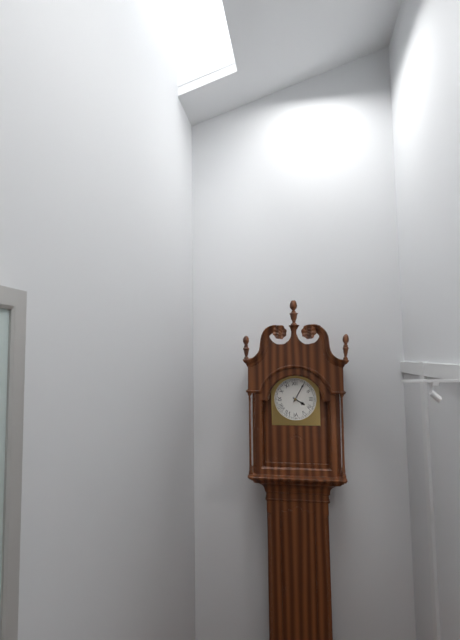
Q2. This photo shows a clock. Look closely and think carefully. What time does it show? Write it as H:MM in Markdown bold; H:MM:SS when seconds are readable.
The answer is **4:05**
